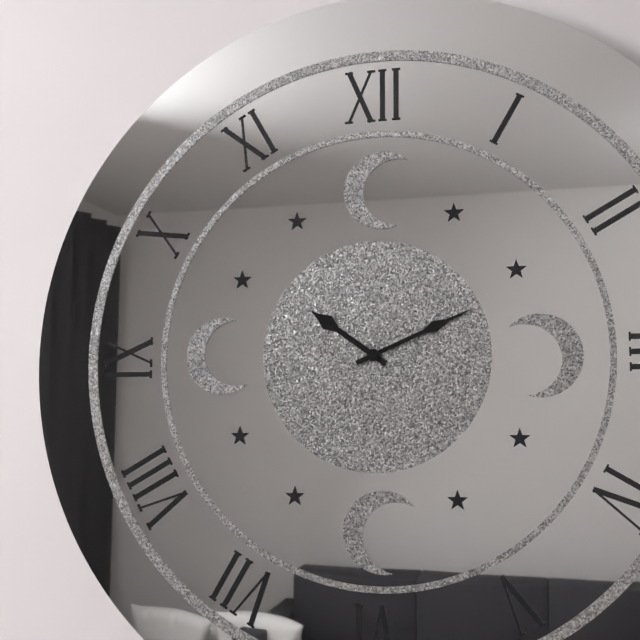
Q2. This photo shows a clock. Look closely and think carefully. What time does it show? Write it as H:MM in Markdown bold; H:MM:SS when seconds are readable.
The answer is **10:11**
